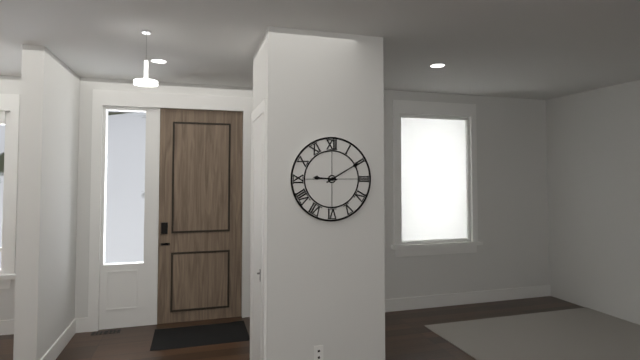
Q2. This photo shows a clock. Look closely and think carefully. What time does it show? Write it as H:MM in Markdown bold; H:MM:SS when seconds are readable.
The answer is **9:10**
